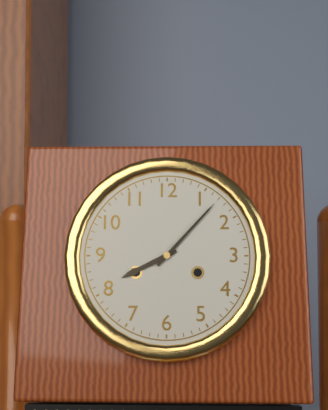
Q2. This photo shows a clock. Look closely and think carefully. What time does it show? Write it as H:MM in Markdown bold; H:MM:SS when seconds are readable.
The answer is **8:07**
